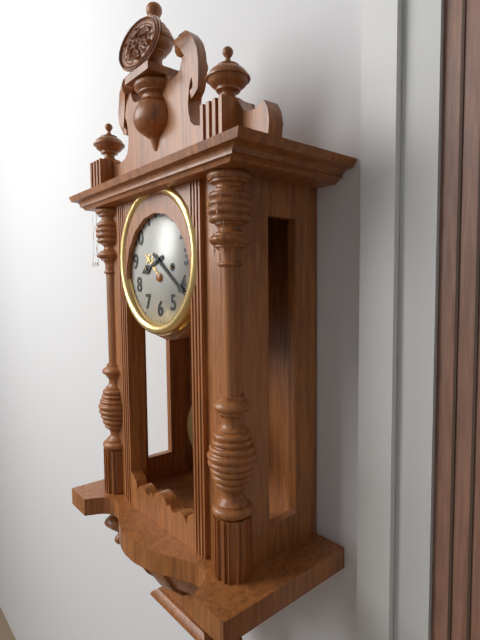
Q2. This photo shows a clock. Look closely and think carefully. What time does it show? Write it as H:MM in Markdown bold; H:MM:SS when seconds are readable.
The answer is **8:21**
